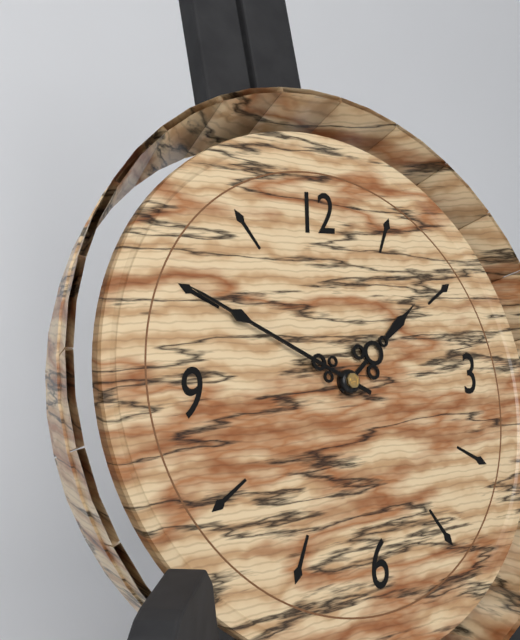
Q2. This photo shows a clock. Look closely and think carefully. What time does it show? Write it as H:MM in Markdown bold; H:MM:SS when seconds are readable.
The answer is **1:50**
